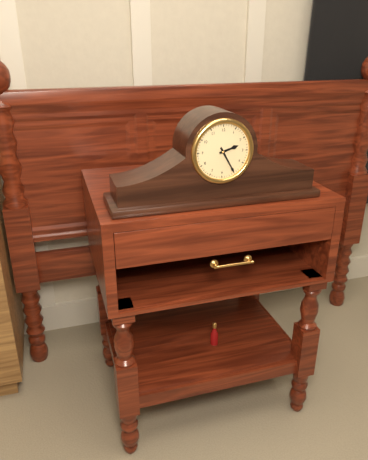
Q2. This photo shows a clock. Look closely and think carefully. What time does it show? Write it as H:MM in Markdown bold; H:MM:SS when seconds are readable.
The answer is **2:25**
